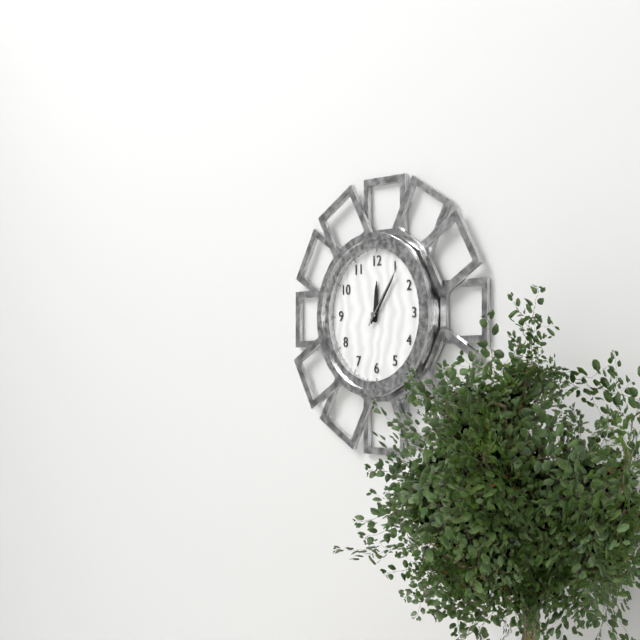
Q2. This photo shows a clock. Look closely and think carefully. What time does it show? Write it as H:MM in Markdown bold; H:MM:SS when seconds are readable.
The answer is **12:06:06**
